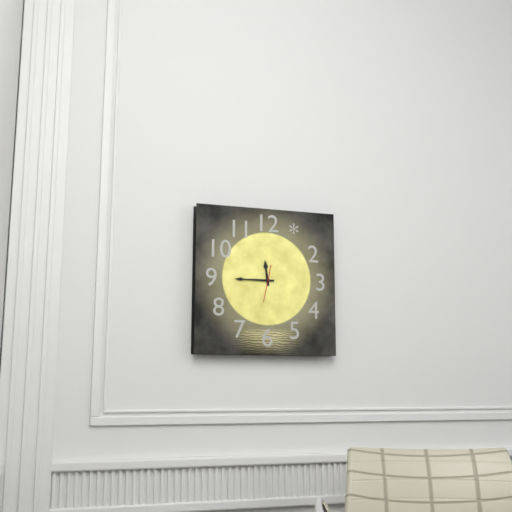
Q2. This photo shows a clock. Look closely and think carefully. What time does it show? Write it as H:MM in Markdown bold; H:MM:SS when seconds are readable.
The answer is **11:45**
